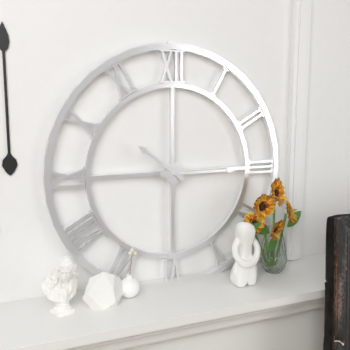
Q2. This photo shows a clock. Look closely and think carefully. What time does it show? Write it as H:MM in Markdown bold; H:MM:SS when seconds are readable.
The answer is **10:15**
